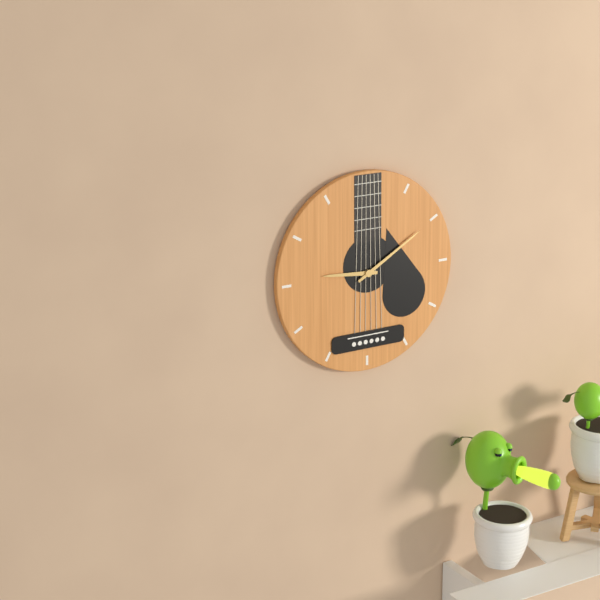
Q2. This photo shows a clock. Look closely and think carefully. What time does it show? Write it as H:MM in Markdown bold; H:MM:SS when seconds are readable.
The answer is **9:10**
